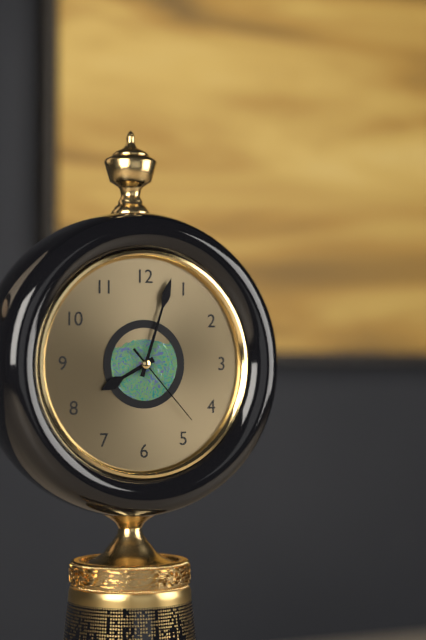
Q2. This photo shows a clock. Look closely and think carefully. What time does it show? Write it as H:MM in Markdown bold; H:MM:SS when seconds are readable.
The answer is **8:03:23**
